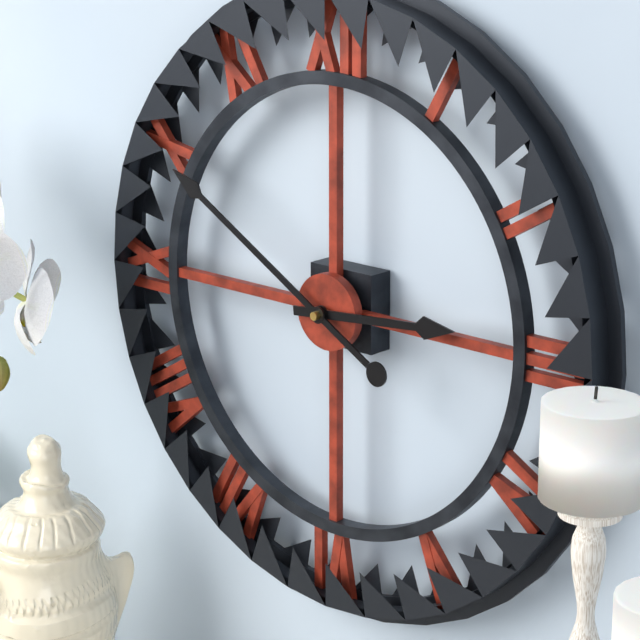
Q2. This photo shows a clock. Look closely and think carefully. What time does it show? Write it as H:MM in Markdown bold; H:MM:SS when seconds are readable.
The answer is **2:50**
